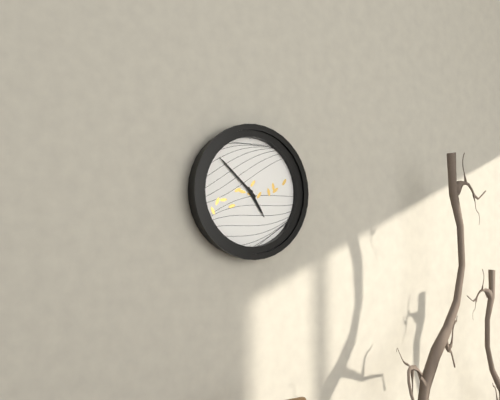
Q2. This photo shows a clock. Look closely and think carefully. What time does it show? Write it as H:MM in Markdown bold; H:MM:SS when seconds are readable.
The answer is **4:52**
